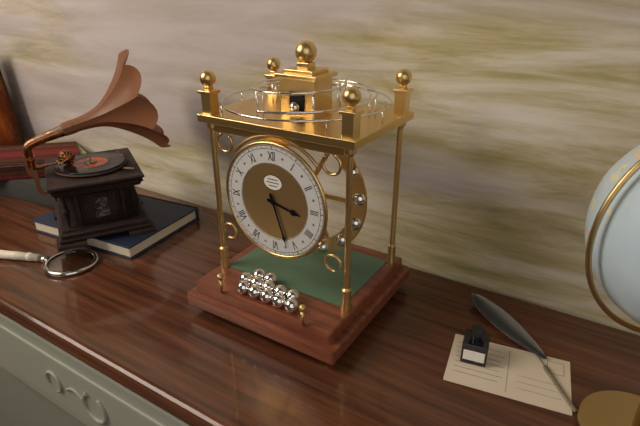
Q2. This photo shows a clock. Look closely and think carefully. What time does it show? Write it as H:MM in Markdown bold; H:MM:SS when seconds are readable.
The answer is **3:27**
